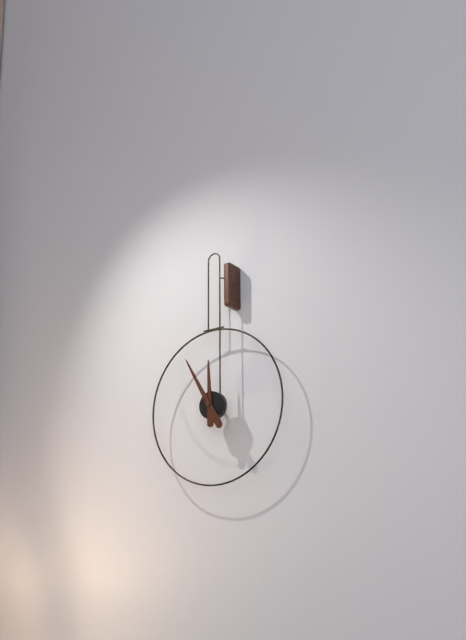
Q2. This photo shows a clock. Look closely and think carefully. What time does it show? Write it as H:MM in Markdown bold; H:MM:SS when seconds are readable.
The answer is **11:55**
